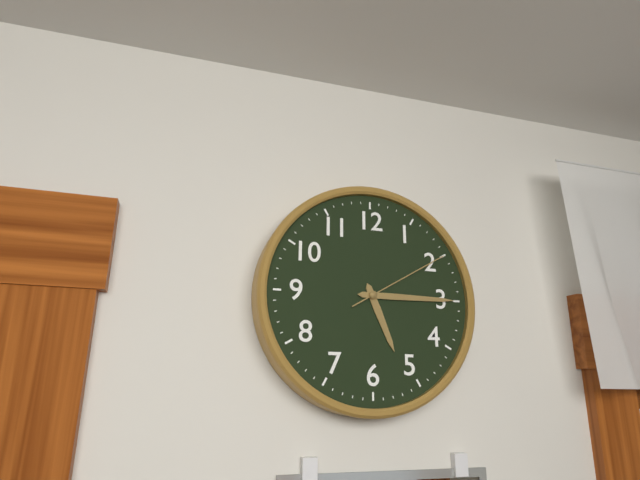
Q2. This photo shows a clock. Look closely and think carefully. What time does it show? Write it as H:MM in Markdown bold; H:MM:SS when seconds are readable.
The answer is **5:15:10**
